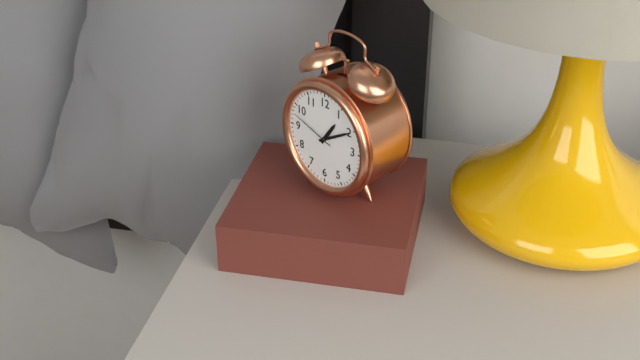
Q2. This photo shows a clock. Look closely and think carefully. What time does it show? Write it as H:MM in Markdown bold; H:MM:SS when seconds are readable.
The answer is **1:10**
